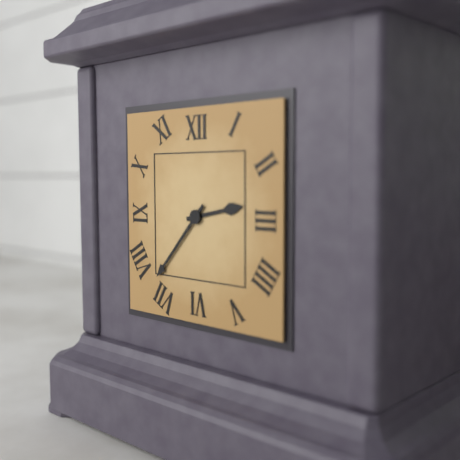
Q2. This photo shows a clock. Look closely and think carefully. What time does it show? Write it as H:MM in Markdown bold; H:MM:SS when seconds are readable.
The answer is **2:37**
